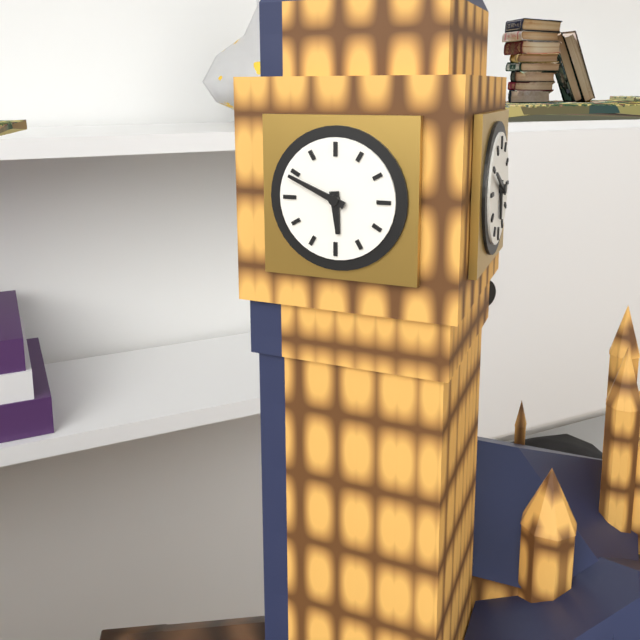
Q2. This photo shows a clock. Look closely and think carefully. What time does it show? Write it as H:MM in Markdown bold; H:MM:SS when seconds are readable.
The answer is **5:49**
